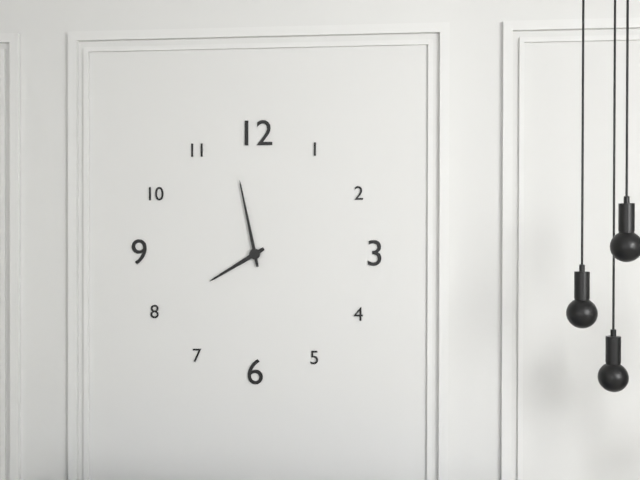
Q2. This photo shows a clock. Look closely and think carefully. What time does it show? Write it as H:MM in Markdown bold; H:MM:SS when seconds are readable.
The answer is **7:58**
